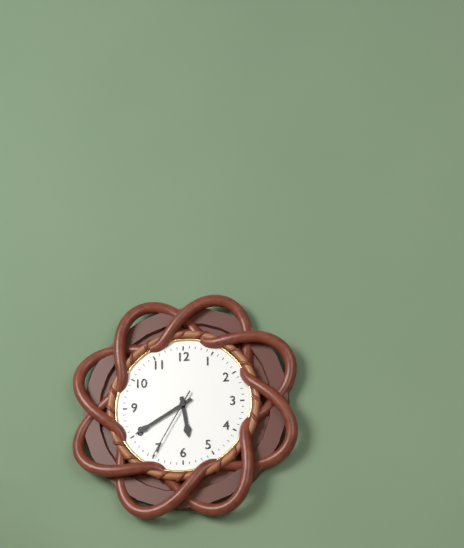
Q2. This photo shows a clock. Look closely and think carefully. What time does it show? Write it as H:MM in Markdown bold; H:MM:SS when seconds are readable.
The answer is **5:40:35**
